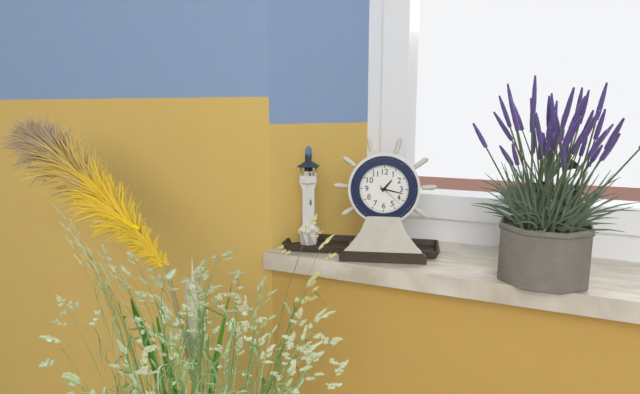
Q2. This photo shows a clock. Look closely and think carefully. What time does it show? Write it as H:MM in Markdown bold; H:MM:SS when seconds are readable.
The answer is **1:17**
